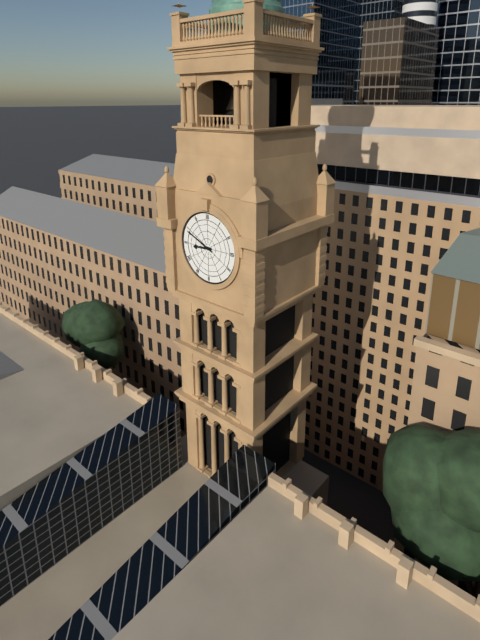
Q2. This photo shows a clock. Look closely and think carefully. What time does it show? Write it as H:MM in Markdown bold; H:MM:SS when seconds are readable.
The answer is **8:49**
